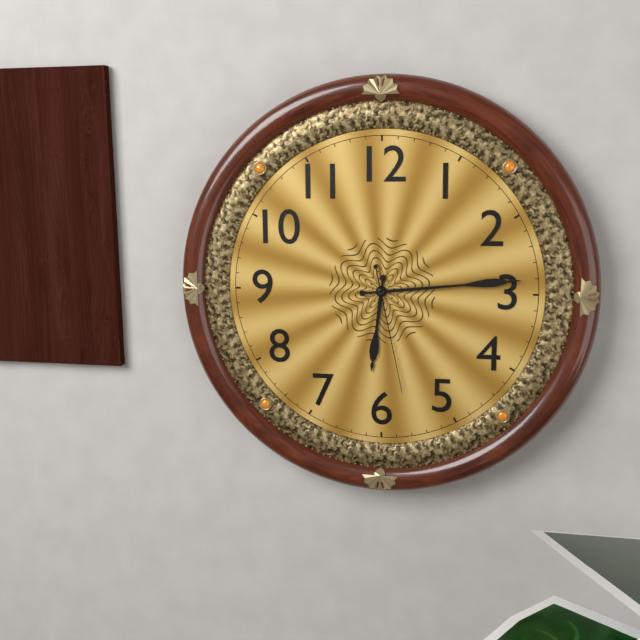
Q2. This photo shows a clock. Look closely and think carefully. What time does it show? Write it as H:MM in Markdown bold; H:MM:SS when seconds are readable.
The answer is **6:14:28**
